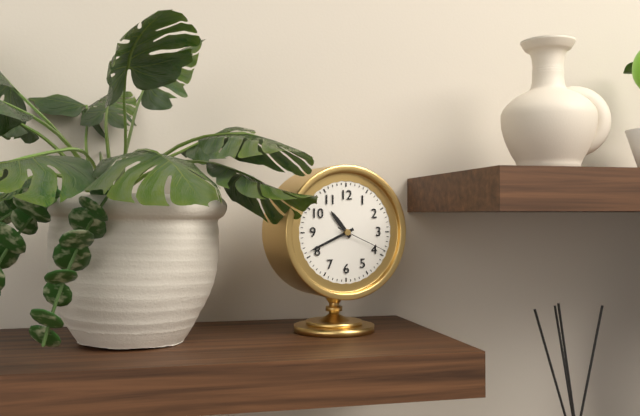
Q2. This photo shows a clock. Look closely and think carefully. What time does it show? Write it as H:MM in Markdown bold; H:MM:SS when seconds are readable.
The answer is **10:41:19**
